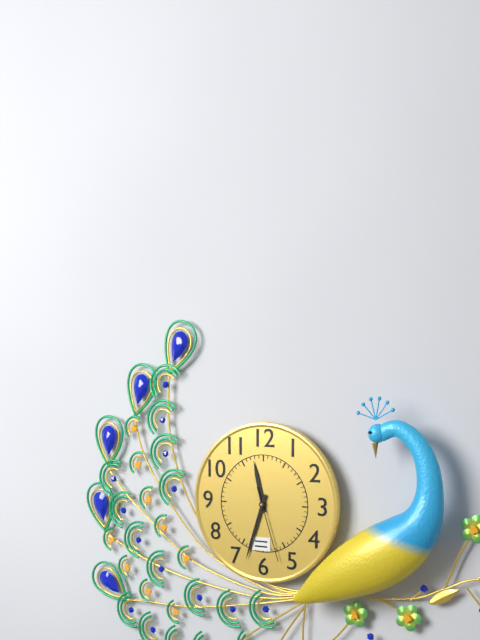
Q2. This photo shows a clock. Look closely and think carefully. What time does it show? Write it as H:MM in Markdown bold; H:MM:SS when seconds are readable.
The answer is **11:33:27**
